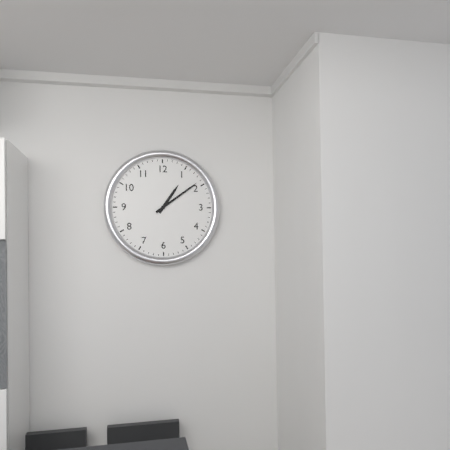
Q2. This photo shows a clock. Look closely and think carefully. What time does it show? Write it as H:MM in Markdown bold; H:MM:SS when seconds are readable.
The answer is **1:09**
